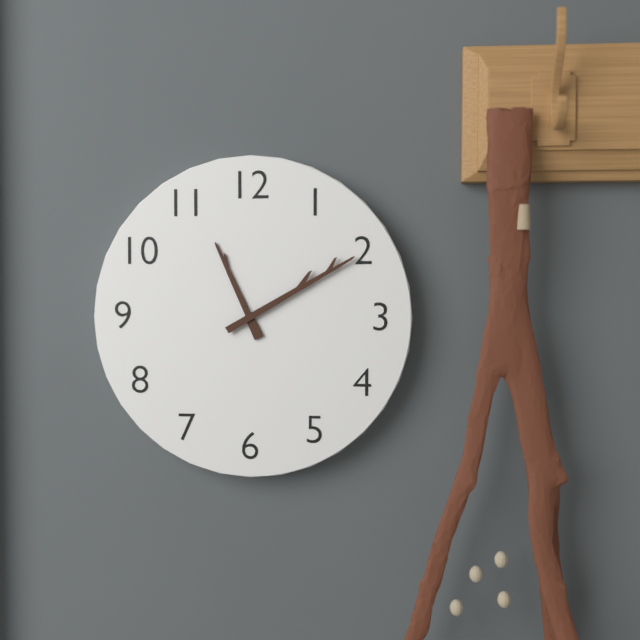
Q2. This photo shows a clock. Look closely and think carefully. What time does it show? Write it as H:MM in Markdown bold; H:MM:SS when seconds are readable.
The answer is **11:10**
